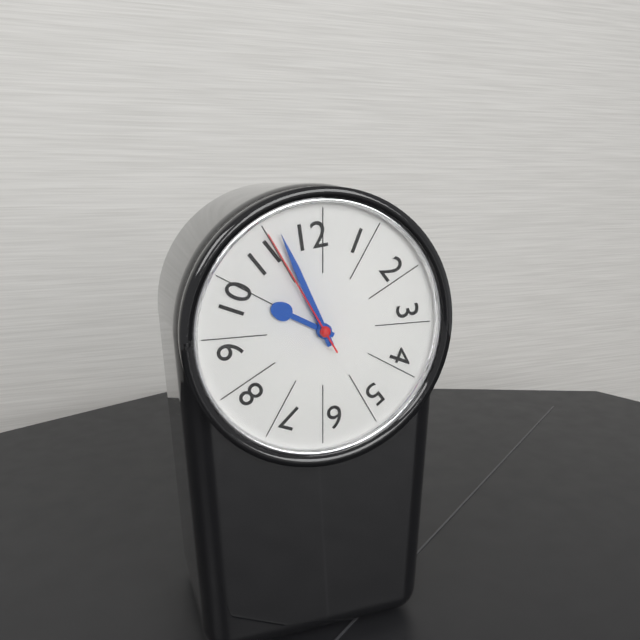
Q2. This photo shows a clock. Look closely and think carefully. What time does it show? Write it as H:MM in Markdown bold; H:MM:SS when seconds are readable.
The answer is **9:56:55**
